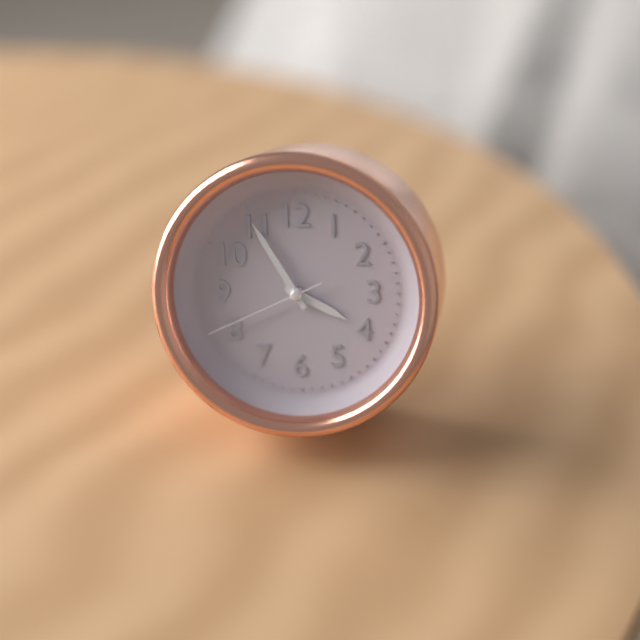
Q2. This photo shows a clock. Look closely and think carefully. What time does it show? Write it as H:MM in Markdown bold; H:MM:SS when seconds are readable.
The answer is **3:55:41**
